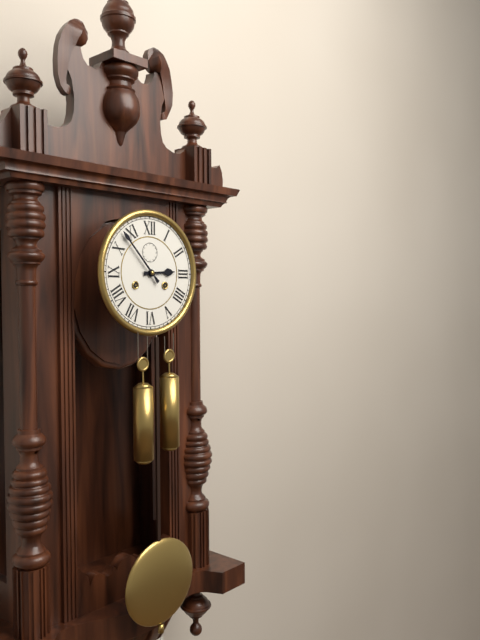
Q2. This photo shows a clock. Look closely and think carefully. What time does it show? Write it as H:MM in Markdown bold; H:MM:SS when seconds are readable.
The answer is **2:53**
